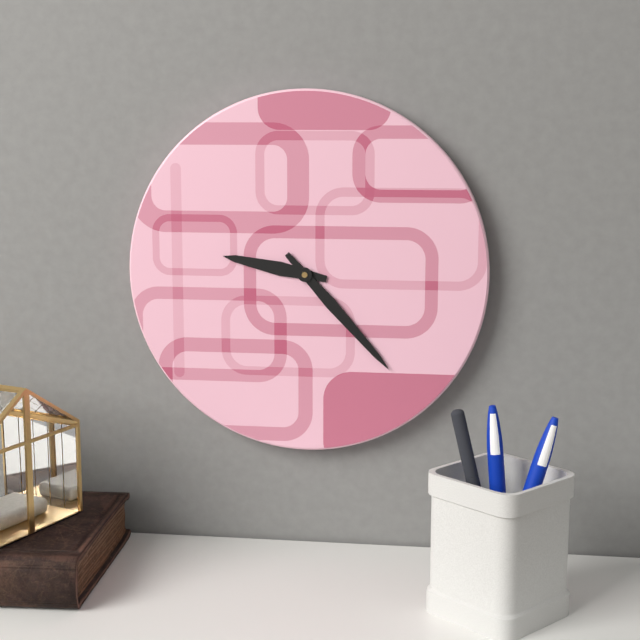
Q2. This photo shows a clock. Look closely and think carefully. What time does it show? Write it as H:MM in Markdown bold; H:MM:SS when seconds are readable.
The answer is **9:23**
